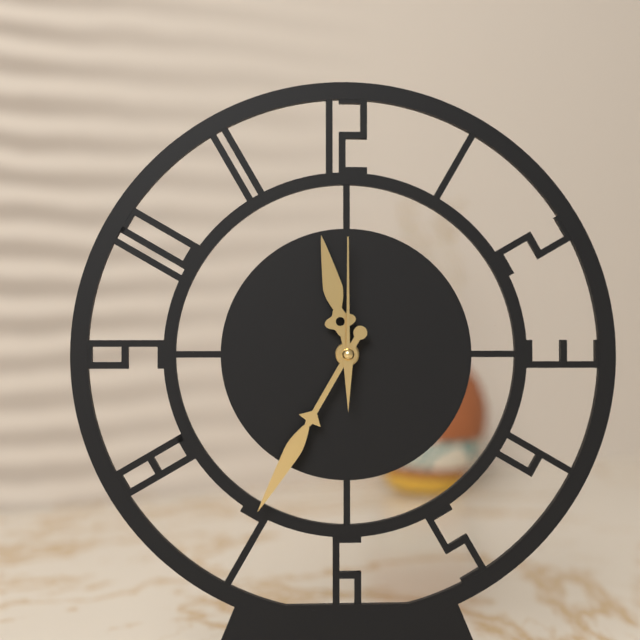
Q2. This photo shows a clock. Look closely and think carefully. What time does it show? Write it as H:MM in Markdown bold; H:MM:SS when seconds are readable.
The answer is **11:35:00**
